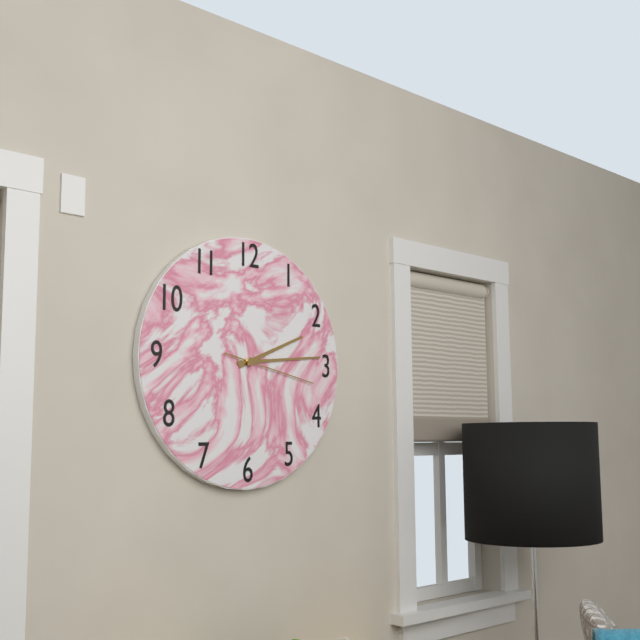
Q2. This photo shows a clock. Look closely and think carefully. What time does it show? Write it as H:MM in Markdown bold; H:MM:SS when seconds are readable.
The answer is **2:14:17**
